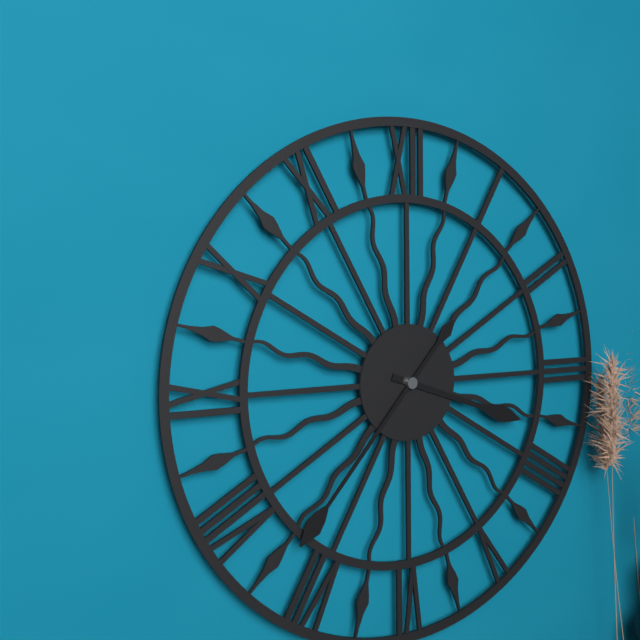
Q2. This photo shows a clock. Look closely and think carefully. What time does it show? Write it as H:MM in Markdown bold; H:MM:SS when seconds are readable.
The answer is **3:37**
